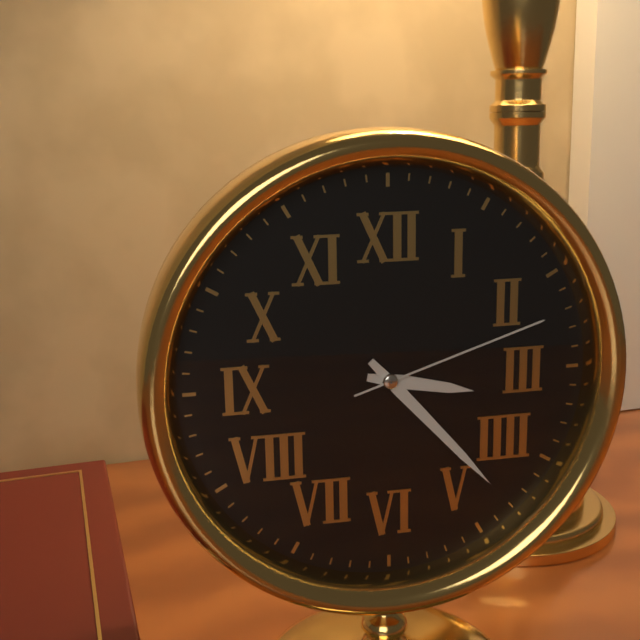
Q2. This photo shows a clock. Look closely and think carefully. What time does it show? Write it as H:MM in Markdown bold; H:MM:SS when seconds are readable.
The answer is **3:23:12**
